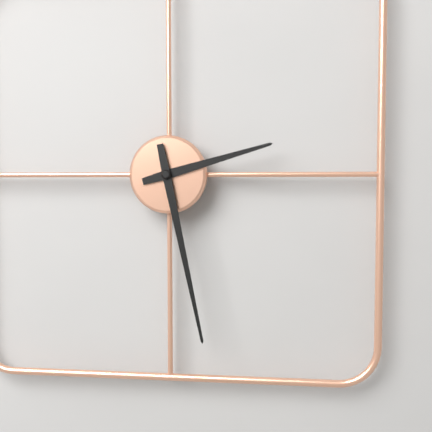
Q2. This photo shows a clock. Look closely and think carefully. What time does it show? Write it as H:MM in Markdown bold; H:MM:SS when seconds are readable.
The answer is **2:28**
